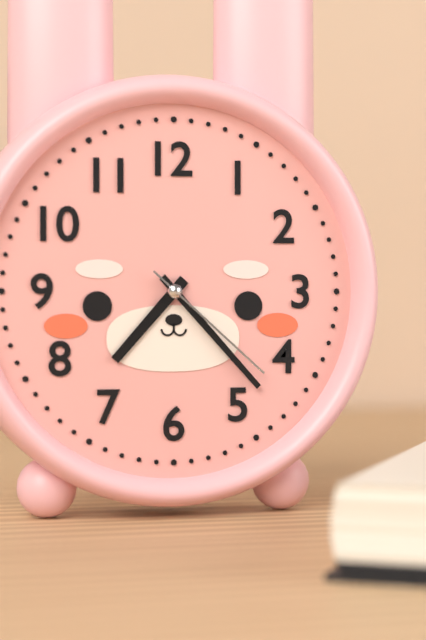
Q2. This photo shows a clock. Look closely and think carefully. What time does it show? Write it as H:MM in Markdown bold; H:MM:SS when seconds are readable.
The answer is **7:23:22**
